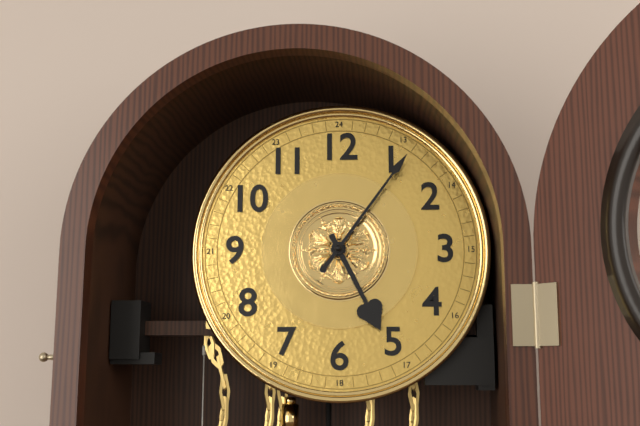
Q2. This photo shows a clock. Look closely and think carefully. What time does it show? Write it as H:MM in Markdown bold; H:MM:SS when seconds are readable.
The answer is **5:06**
